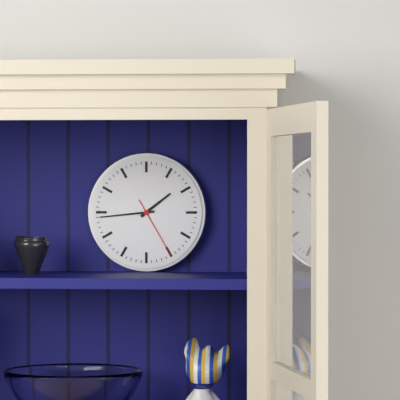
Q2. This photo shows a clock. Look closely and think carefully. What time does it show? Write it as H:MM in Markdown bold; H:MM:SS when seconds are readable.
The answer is **1:44:25**
